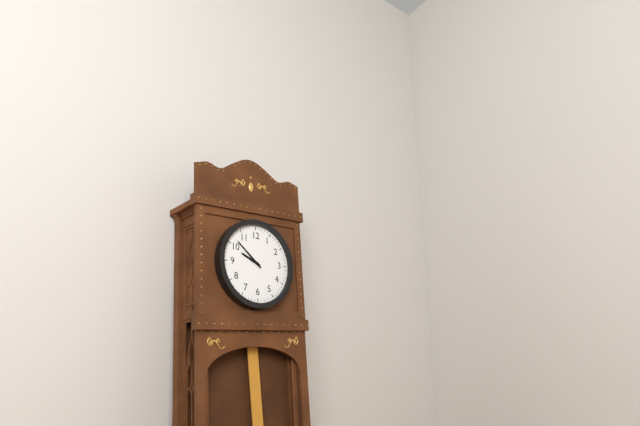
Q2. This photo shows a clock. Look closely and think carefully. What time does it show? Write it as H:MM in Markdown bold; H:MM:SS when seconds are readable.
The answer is **9:52**
